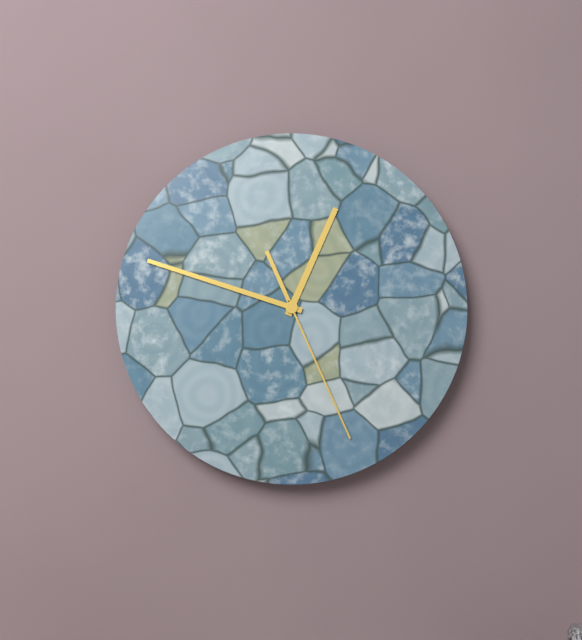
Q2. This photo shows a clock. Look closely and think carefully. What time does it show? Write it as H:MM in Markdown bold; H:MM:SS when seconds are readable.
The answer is **12:48:26**
